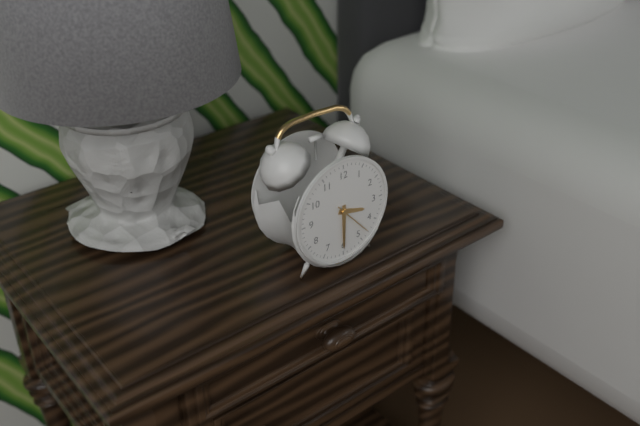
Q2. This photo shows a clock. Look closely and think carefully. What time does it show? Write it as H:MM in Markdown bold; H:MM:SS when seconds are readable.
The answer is **3:30**
